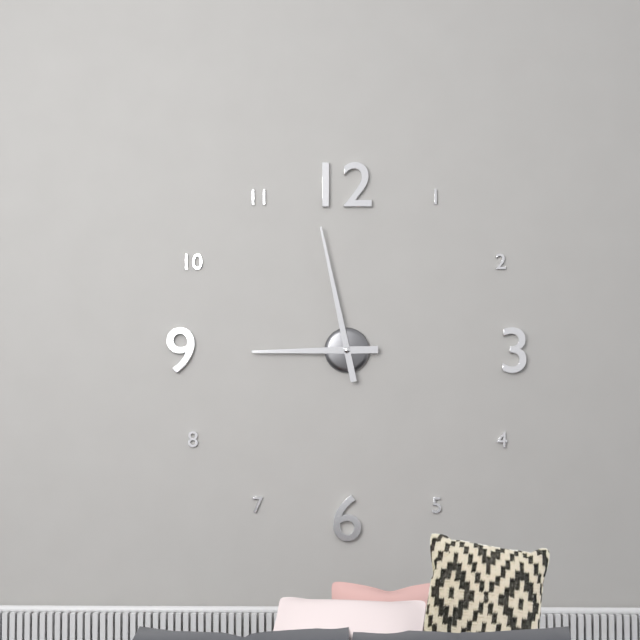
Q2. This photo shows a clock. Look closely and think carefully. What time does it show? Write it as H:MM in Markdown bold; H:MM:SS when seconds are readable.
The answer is **8:58**
